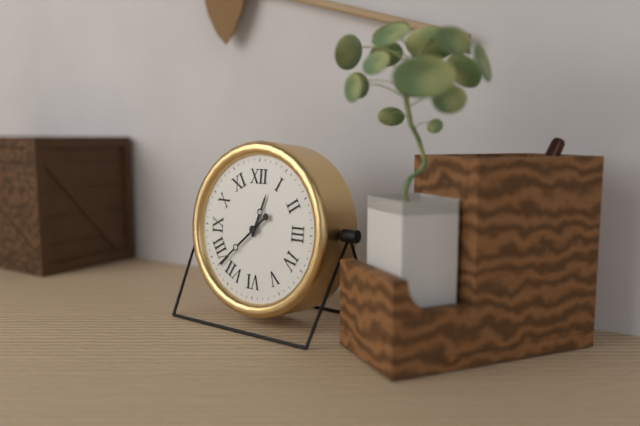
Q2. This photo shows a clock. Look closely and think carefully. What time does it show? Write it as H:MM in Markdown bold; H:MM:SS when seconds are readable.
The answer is **12:38**
